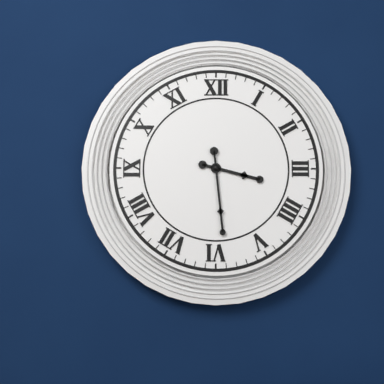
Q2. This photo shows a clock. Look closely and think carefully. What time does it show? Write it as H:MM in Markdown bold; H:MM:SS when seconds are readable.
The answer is **3:29**
